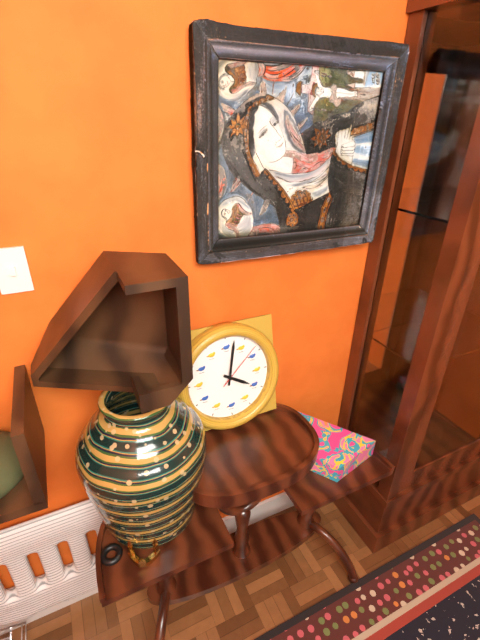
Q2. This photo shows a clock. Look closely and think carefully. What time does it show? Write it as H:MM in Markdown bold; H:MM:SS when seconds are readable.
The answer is **4:02:08**
